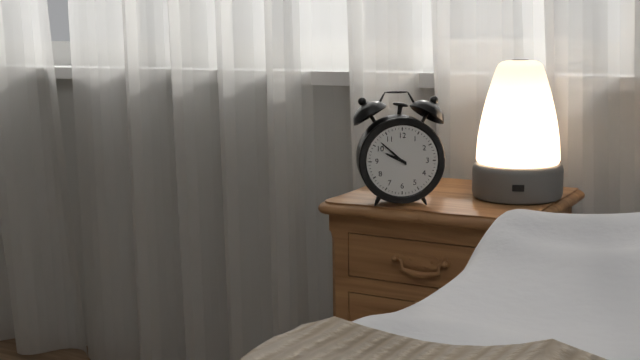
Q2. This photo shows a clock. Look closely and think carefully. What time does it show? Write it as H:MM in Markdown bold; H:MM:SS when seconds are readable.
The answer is **9:52**
